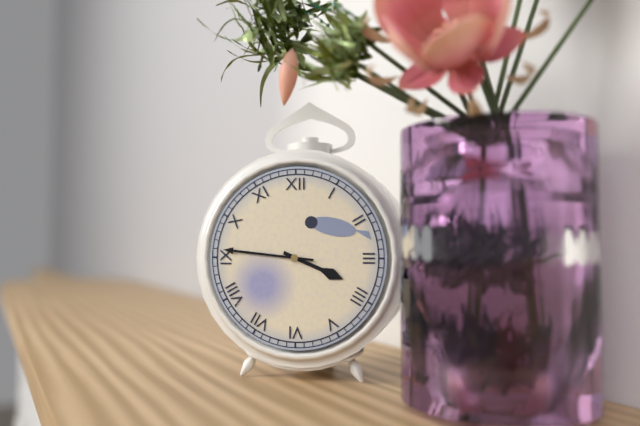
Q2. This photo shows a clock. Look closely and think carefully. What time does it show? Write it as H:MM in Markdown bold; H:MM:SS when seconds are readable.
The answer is **3:46**
